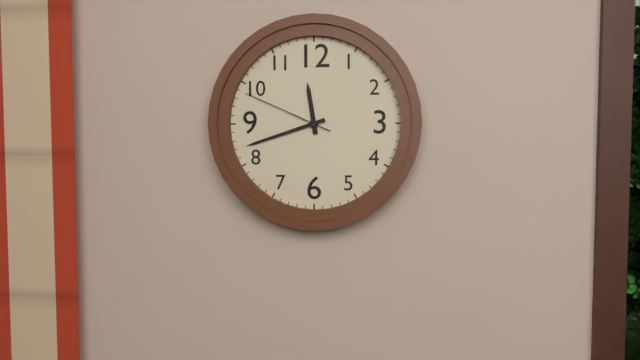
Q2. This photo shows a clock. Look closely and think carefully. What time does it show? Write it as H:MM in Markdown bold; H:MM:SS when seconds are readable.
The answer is **11:42:49**
